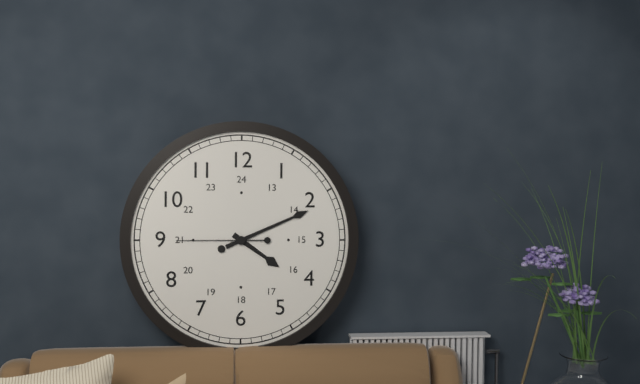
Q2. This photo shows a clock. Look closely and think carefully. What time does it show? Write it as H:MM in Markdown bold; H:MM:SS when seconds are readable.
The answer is **4:11:45**
